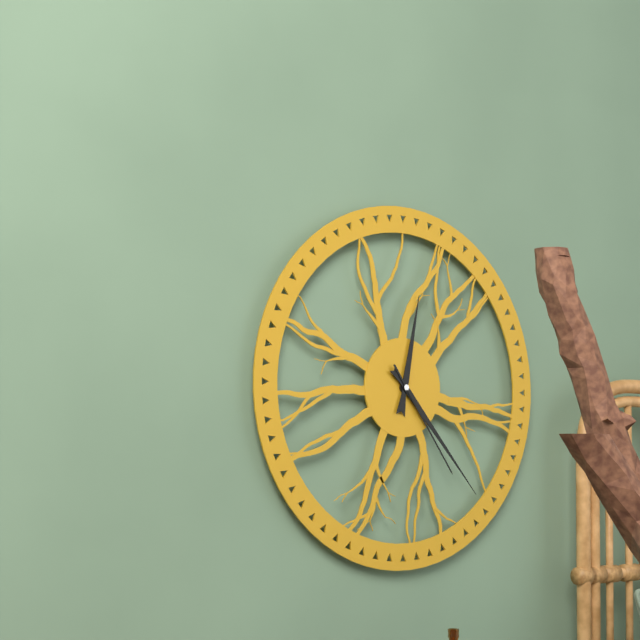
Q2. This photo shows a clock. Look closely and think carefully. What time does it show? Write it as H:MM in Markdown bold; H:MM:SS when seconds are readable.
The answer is **12:23:24**
